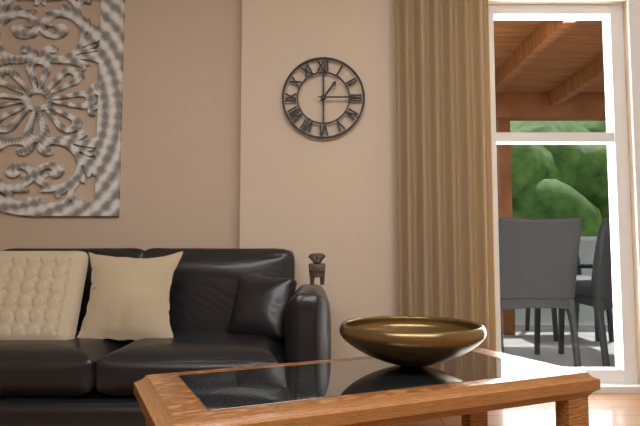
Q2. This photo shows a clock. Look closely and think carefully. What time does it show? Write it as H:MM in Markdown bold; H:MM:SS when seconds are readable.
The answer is **1:15**
